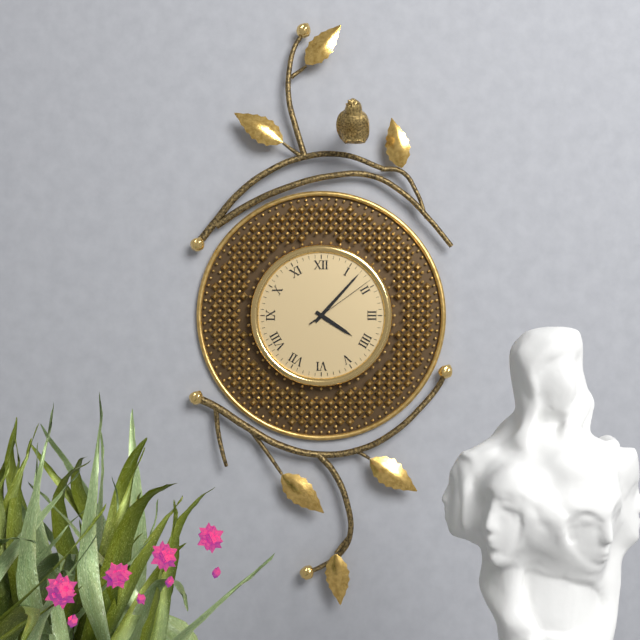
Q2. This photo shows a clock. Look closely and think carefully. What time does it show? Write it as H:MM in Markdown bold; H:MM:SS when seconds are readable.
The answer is **4:07:09**
